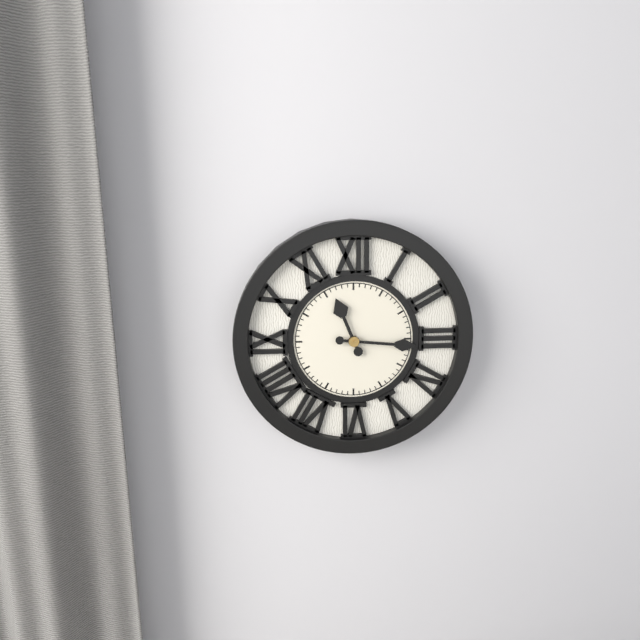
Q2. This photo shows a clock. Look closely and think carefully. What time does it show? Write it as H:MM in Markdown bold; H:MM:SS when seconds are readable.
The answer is **11:16**
